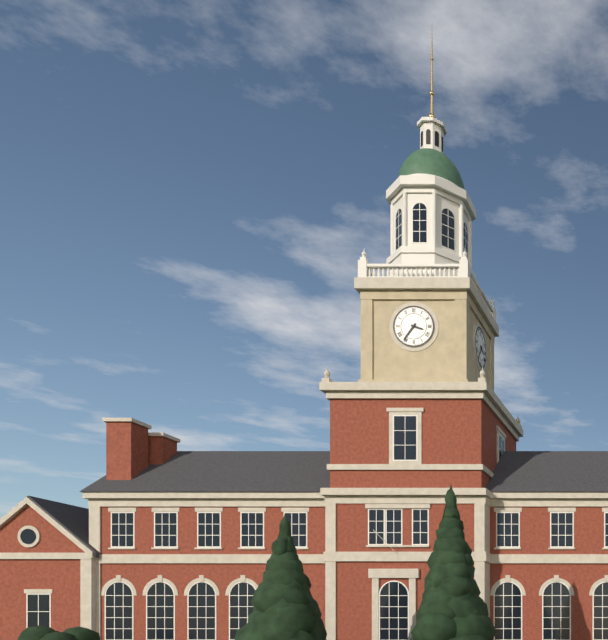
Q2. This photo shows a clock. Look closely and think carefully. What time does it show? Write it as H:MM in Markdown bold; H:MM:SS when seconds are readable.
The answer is **3:36**
